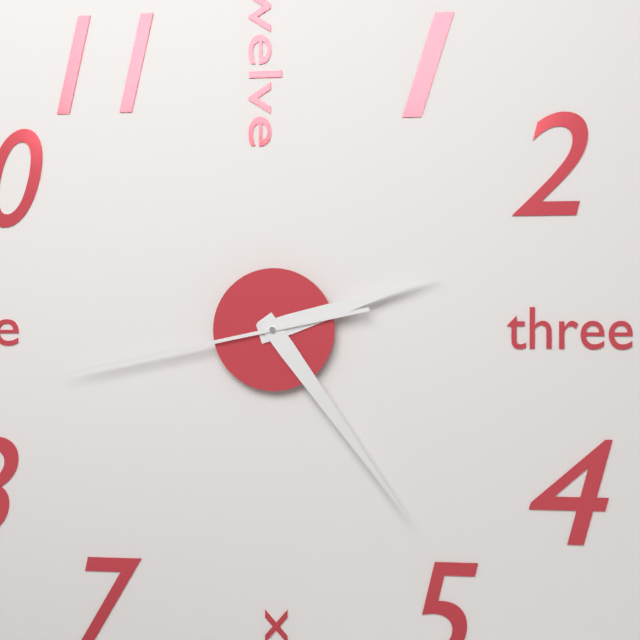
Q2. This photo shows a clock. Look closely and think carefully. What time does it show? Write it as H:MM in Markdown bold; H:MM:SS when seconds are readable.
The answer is **2:24:43**
